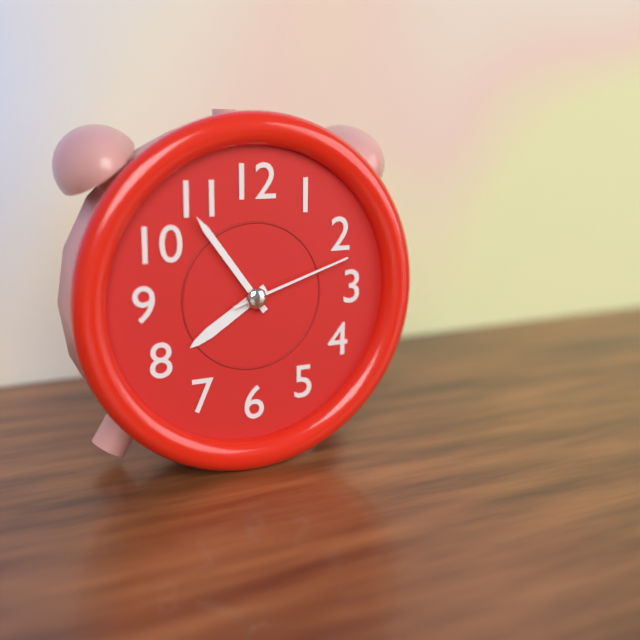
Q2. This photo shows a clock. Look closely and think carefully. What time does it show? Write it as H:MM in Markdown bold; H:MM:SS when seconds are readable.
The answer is **7:54:12**
